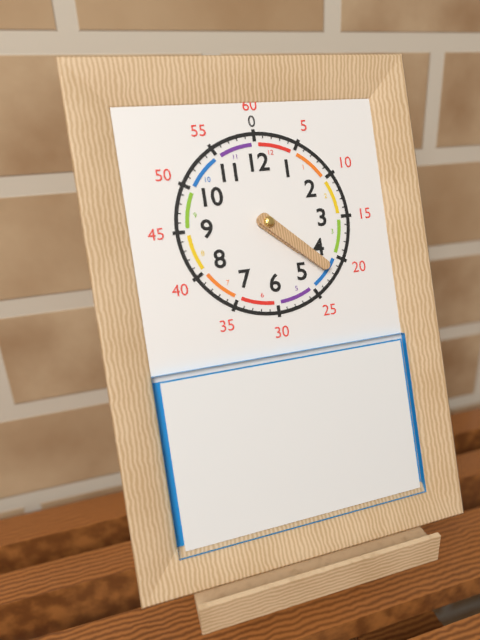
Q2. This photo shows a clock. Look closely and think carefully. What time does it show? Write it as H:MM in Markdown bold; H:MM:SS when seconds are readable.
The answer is **4:22**
